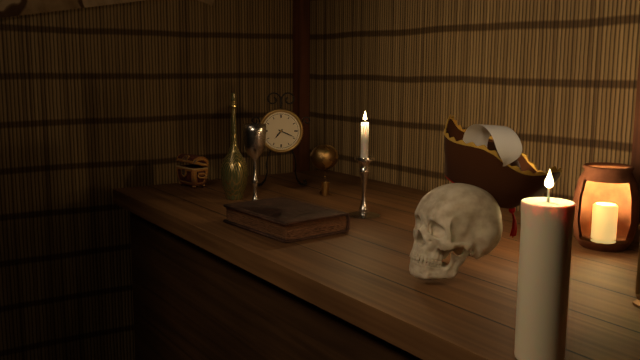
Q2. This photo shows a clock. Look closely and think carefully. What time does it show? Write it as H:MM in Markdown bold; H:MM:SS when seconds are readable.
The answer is **7:19**
